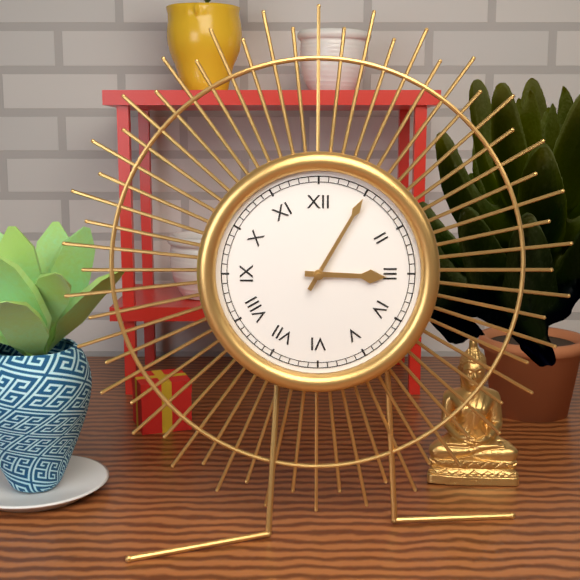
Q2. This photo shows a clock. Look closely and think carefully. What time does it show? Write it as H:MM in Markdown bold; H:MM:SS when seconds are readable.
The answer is **3:05**
